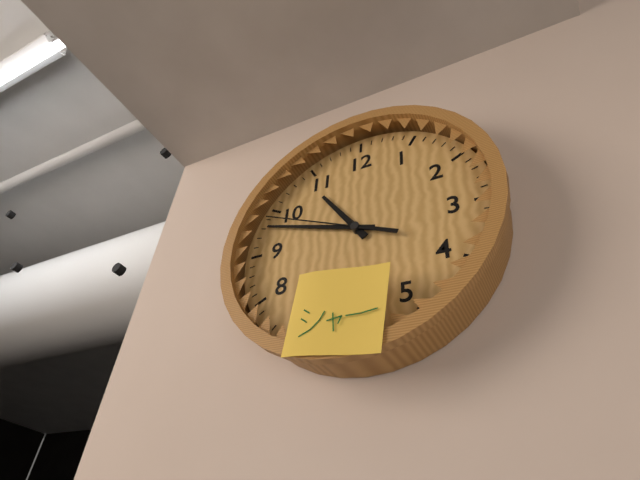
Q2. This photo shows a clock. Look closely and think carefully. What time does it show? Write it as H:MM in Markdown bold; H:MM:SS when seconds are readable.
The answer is **10:48:49**
